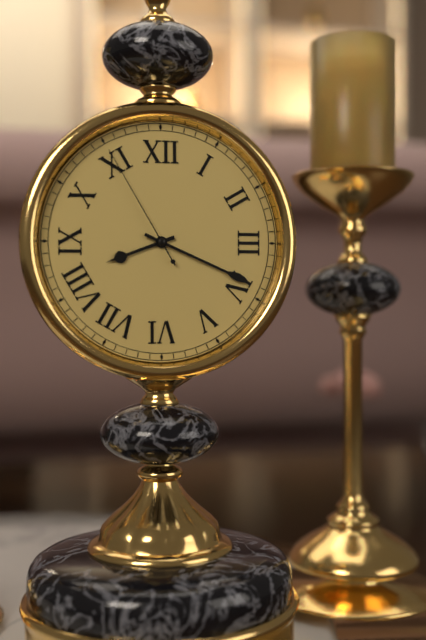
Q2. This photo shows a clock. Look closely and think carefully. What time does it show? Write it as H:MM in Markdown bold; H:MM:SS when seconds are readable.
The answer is **8:19:55**
